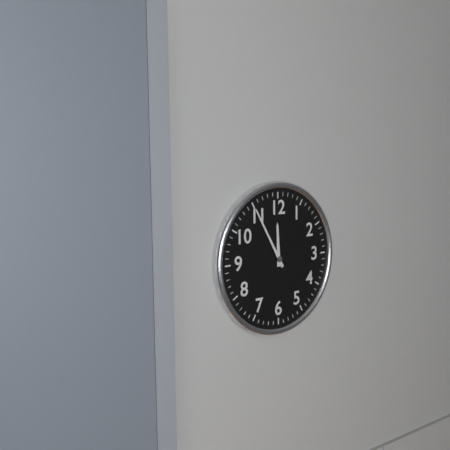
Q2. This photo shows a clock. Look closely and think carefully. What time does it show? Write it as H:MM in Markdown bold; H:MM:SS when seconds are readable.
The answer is **11:55**
